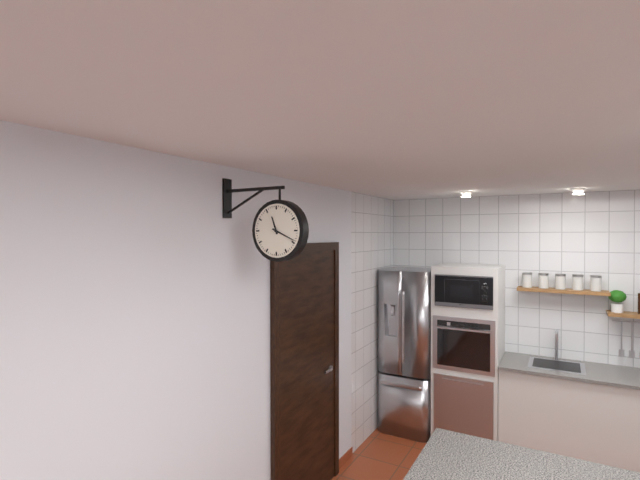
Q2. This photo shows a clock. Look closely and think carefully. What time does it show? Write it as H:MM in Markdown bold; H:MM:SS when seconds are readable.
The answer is **11:19**
